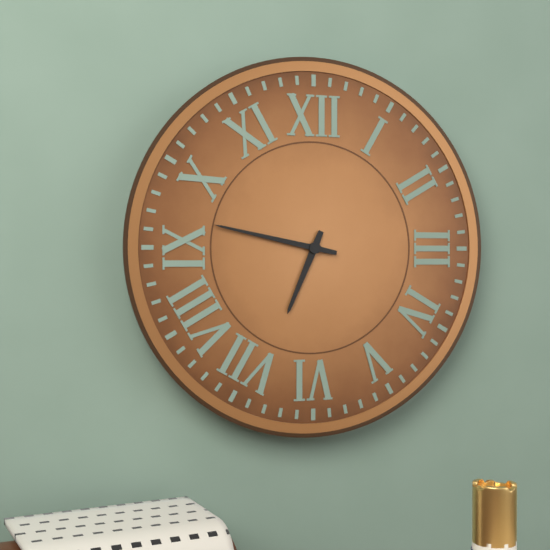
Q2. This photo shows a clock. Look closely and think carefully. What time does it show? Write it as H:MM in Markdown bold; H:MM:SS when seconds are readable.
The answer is **6:47**
